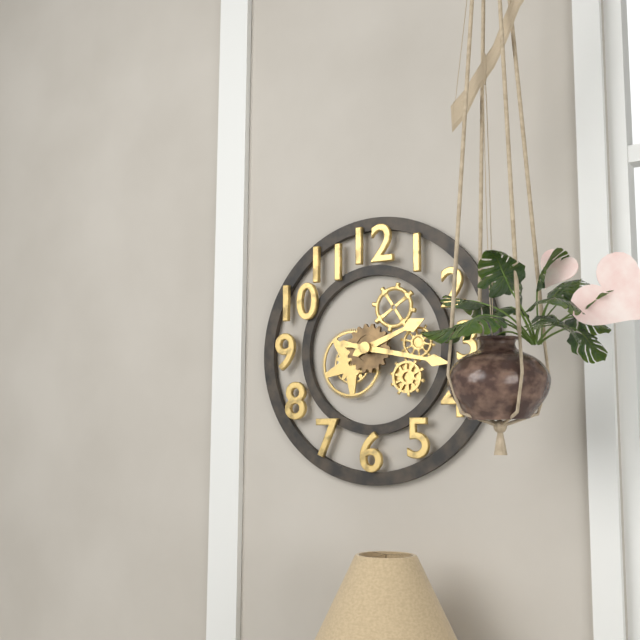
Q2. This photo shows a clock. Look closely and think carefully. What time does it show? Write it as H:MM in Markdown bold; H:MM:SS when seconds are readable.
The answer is **2:17**
